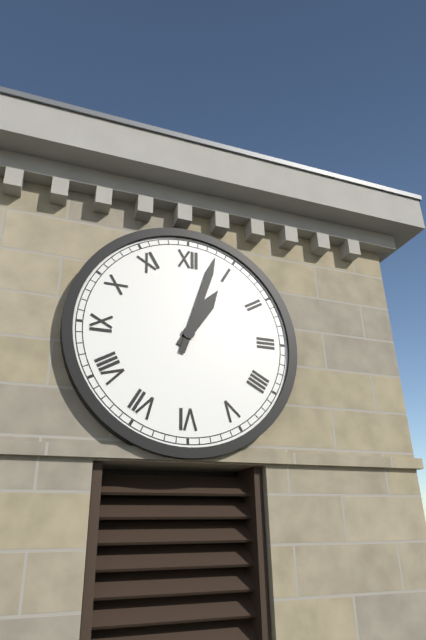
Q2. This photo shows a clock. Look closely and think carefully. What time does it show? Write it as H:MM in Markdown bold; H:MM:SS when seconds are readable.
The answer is **1:03**
